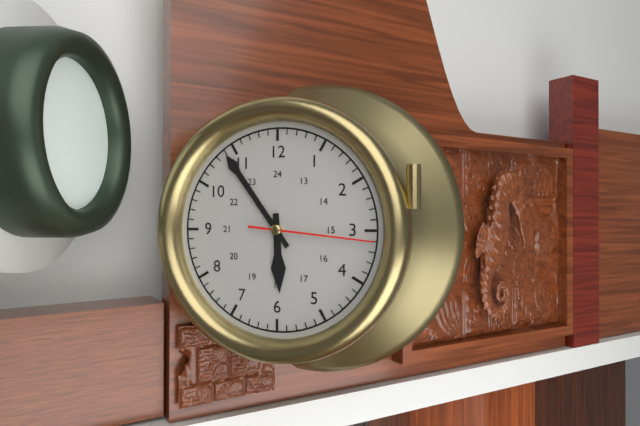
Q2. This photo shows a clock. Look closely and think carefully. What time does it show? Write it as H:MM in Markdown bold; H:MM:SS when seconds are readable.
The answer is **5:54:16**
